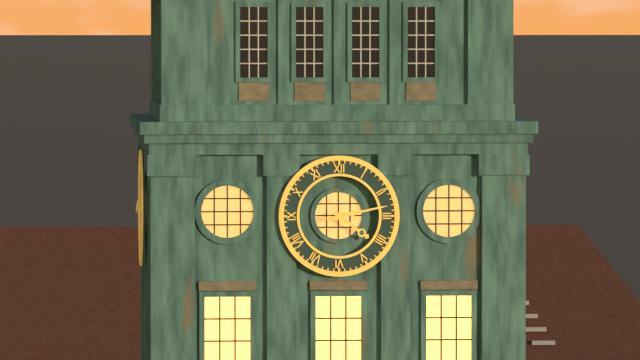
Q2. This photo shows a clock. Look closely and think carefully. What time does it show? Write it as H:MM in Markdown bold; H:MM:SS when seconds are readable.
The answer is **4:13**
